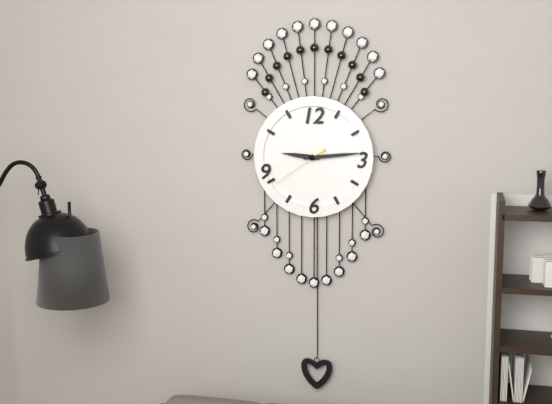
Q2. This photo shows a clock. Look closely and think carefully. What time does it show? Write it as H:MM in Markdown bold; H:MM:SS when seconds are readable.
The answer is **9:14:39**
